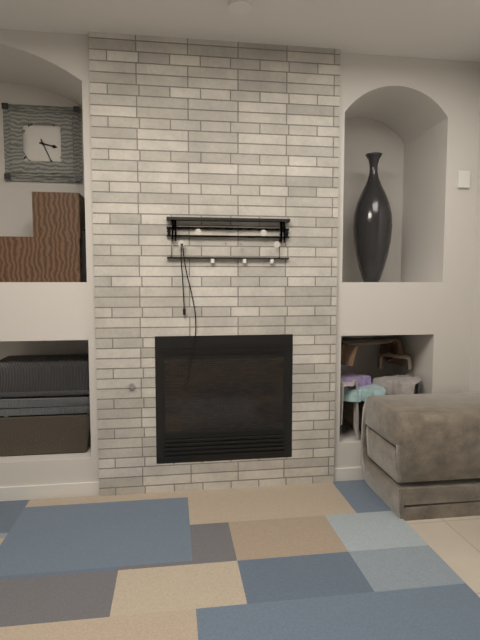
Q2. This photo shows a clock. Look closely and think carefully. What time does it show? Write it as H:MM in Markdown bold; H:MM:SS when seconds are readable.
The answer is **3:26**
